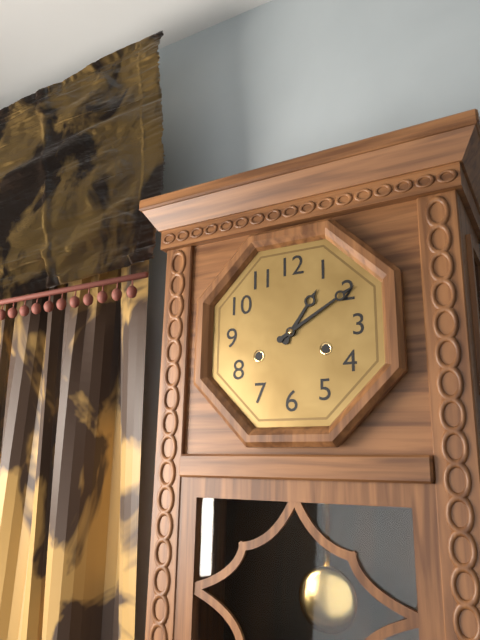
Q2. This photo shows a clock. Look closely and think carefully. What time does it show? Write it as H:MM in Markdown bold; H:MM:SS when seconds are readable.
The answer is **1:10**
